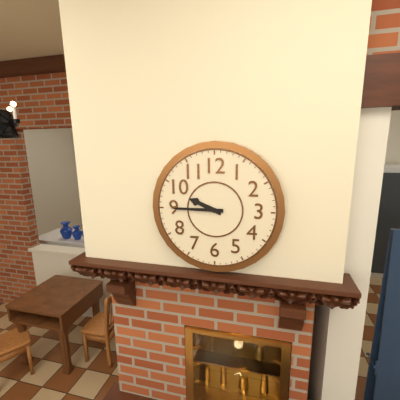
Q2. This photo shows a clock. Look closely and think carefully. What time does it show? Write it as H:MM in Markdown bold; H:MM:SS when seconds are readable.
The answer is **9:45**
